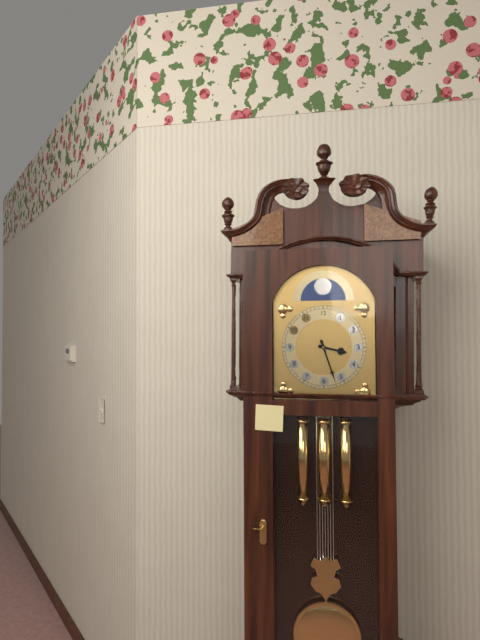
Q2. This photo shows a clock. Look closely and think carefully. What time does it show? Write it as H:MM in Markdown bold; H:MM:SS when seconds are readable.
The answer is **3:27**
